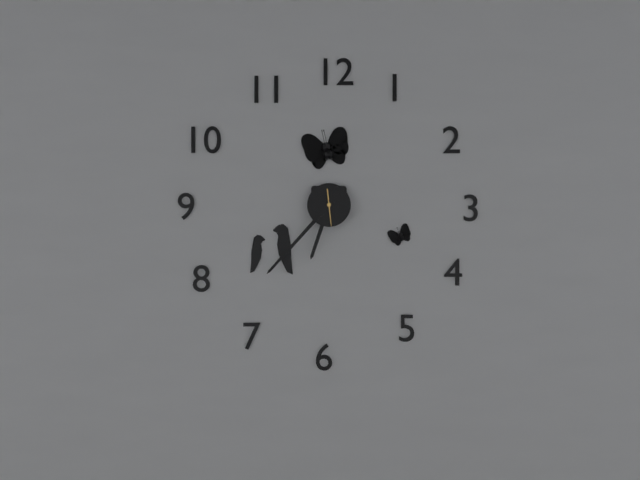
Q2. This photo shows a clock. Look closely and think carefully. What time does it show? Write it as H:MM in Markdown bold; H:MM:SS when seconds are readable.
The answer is **6:37**
